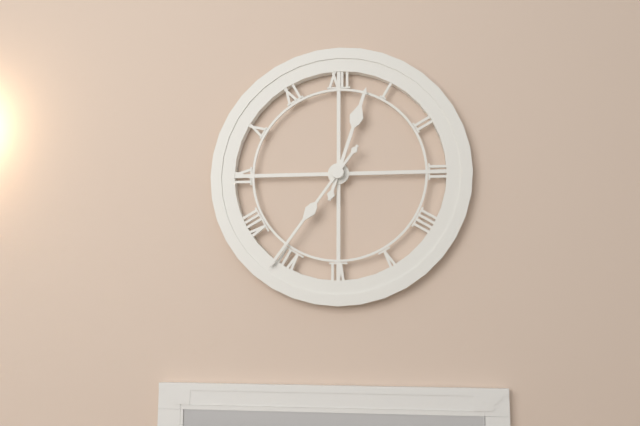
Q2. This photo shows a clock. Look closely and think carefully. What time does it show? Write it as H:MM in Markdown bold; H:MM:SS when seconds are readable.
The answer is **12:36**
